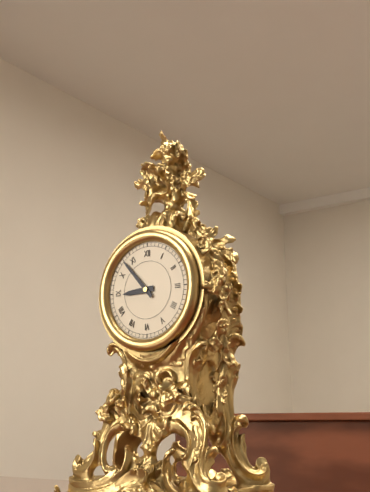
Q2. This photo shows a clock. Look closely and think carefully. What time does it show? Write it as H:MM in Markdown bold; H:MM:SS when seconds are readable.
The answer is **8:53**
